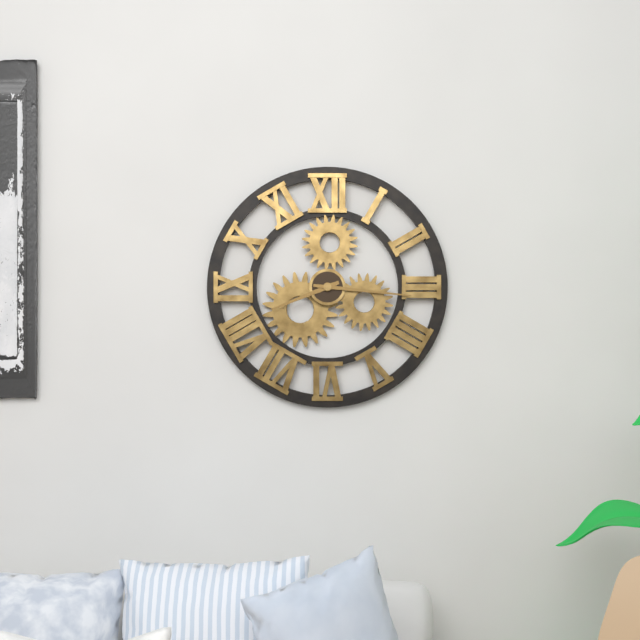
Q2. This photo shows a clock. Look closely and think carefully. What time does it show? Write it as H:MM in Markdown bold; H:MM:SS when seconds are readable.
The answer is **8:16**
